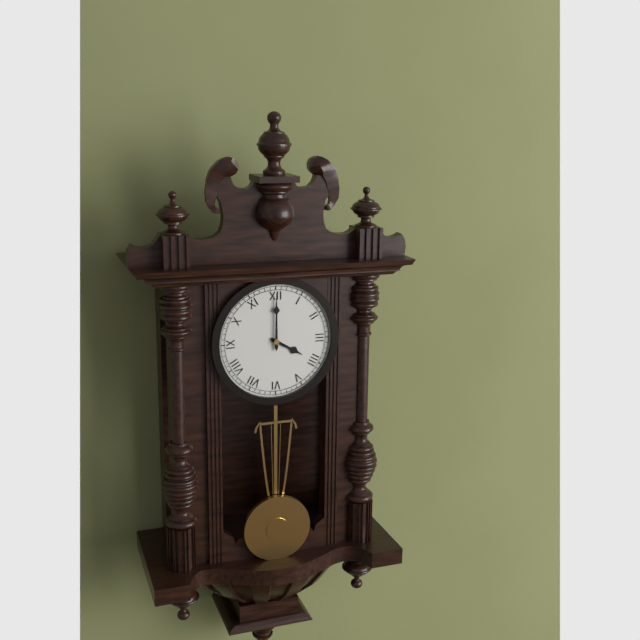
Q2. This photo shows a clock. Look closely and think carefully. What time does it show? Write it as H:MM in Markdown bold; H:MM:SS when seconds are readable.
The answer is **4:00**
